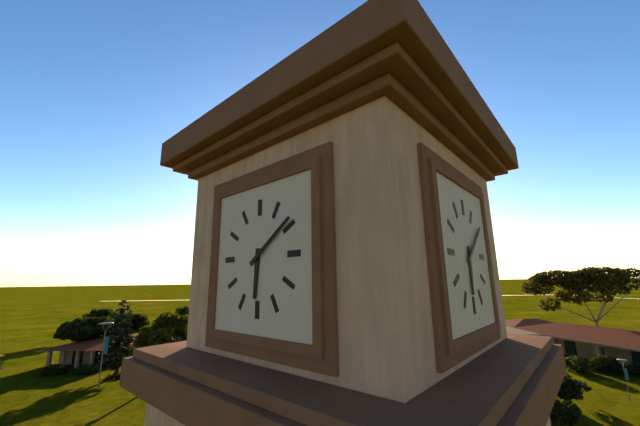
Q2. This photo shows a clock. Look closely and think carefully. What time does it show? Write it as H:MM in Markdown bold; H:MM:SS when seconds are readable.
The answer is **6:09**
